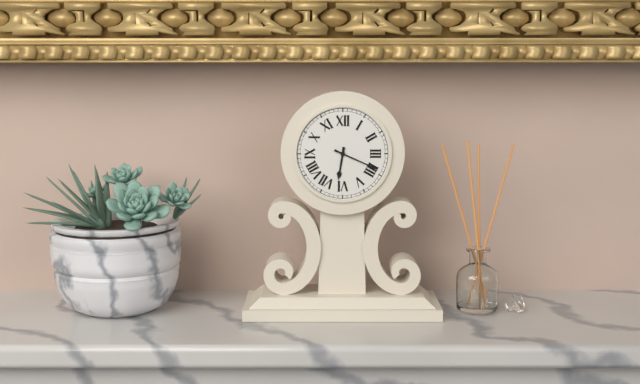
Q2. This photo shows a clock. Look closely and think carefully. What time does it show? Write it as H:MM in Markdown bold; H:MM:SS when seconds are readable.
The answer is **6:19**
